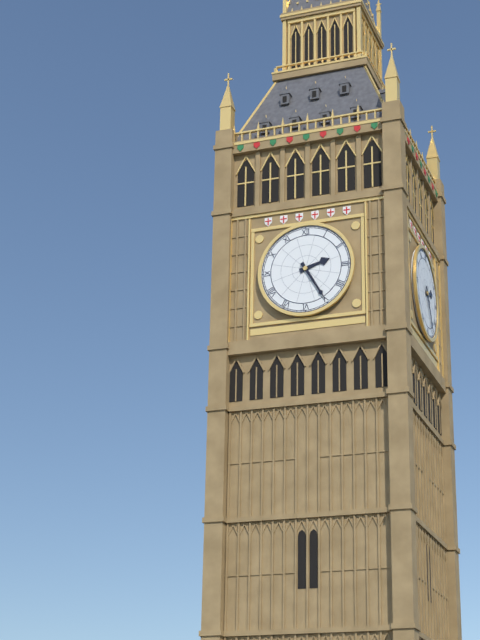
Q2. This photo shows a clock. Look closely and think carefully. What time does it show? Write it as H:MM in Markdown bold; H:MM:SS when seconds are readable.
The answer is **2:25**
